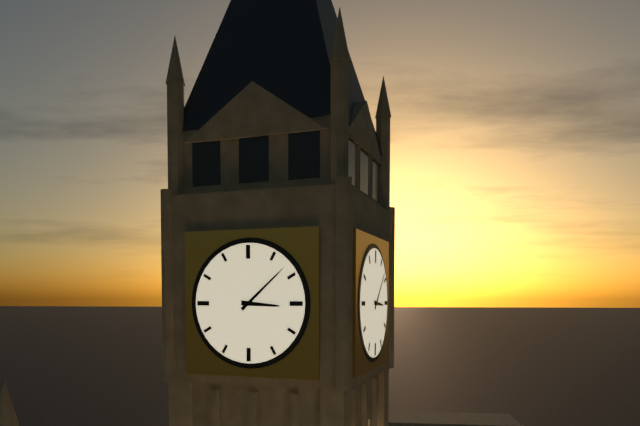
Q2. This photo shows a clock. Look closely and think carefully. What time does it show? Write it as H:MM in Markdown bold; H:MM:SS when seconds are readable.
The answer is **3:08**
